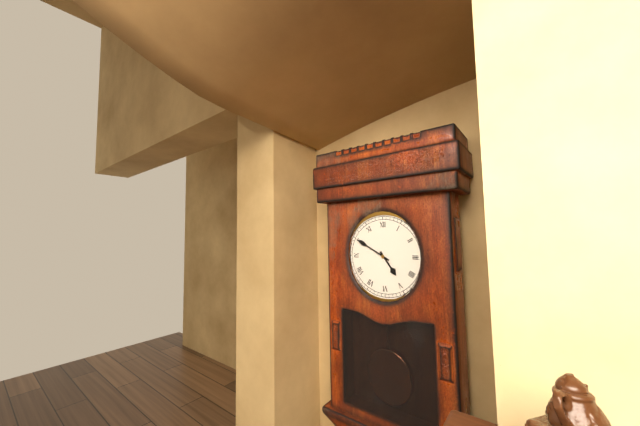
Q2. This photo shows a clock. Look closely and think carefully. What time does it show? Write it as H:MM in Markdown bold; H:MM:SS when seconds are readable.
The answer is **4:50**
